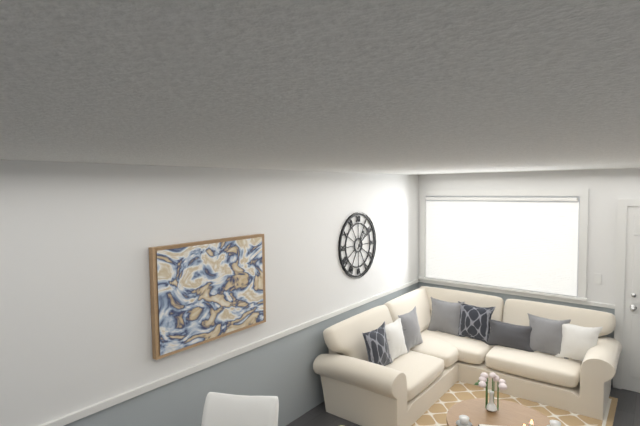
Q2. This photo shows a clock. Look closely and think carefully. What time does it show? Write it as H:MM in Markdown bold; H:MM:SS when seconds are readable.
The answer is **1:08**
